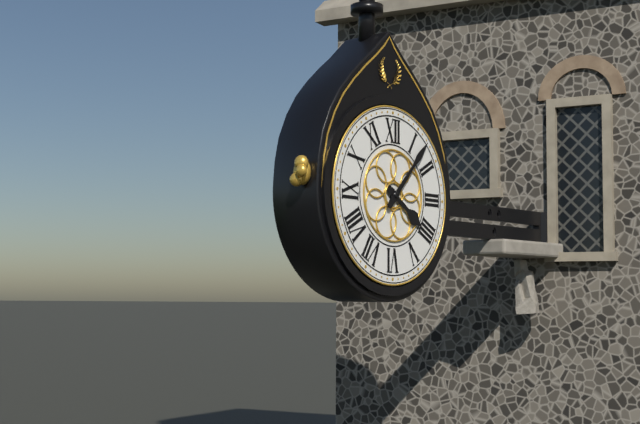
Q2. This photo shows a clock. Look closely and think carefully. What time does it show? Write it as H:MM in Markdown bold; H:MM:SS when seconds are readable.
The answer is **4:07**
